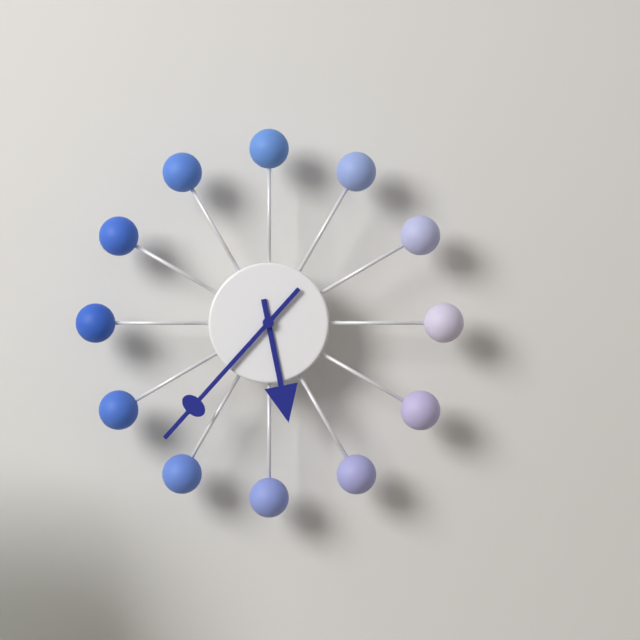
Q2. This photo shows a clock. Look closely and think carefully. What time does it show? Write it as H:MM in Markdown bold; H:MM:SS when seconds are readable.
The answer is **5:37**
